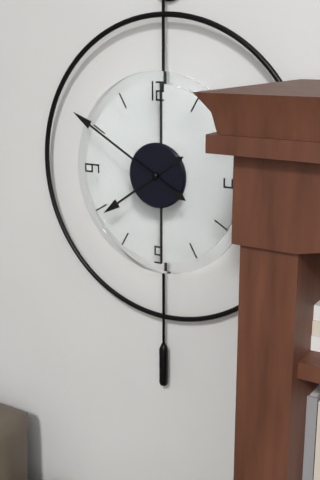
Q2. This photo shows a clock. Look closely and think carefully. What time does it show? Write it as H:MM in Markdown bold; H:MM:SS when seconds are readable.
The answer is **7:50**
